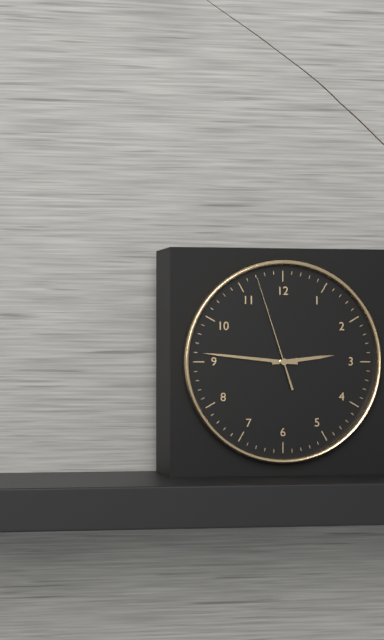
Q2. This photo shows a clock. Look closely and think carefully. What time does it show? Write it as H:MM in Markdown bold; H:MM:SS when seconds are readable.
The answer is **2:46:57**
